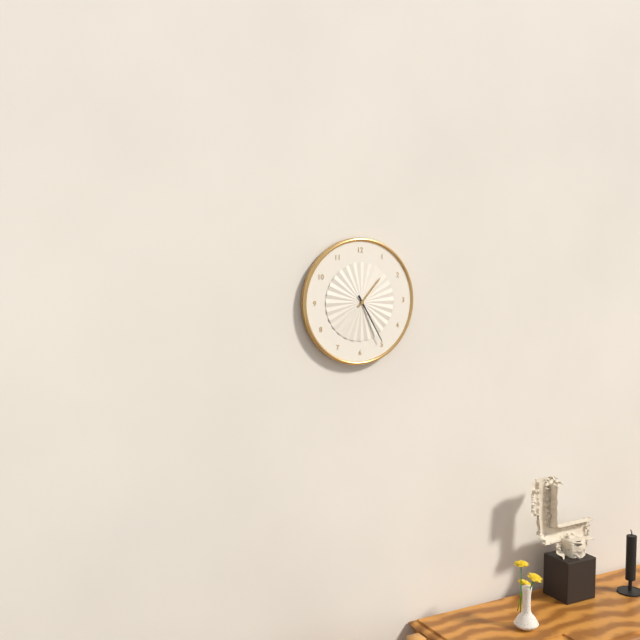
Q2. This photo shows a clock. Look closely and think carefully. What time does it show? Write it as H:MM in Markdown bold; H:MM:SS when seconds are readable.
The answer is **1:25**
